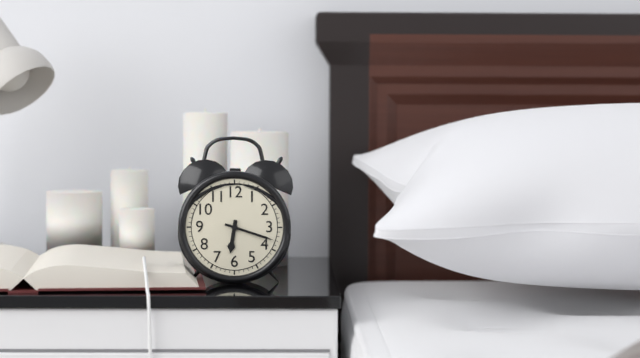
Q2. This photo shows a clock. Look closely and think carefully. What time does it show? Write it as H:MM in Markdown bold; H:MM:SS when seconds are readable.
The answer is **6:18**
